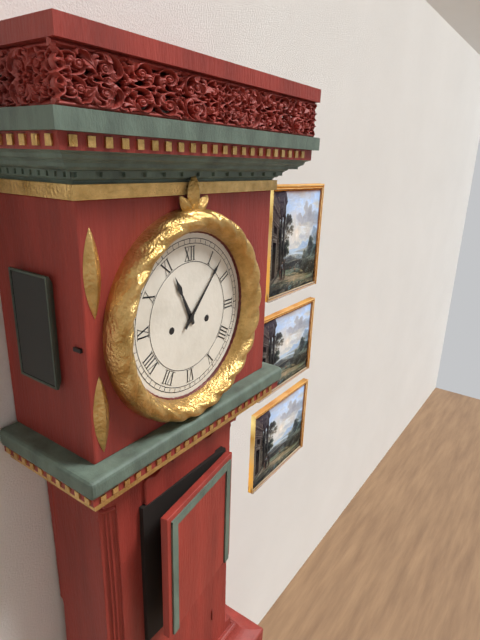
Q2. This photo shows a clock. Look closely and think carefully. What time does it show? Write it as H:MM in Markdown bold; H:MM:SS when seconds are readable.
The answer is **11:07**
